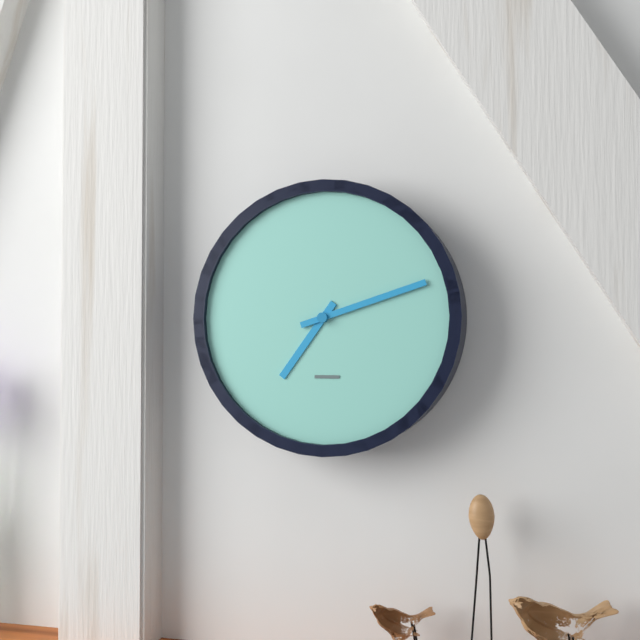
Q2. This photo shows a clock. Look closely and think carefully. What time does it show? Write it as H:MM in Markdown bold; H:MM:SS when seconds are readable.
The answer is **7:12**
